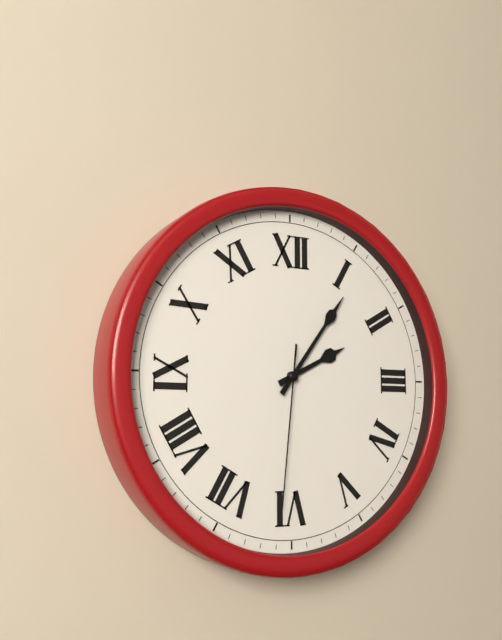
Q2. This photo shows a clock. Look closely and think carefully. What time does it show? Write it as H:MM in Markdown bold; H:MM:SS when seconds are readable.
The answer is **2:06:31**
